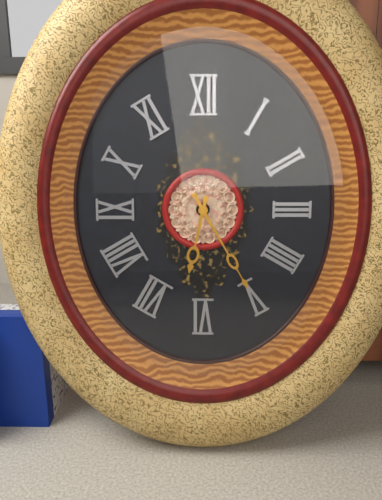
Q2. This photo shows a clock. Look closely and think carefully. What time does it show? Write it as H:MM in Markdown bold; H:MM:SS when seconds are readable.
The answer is **6:25**
